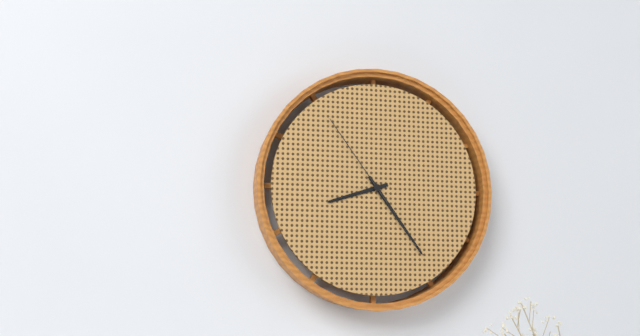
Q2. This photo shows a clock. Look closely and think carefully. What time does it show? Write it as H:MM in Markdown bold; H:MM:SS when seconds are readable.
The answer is **8:24:54**
